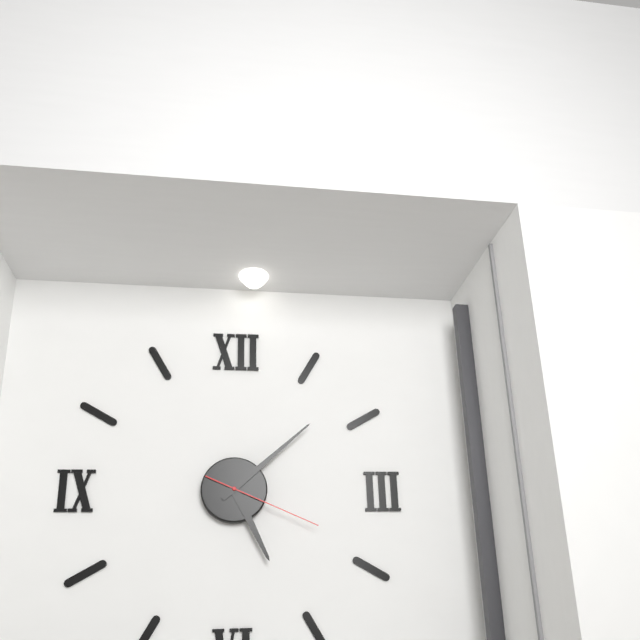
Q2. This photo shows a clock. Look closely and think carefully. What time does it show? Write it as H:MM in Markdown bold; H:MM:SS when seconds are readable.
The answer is **5:08:19**
